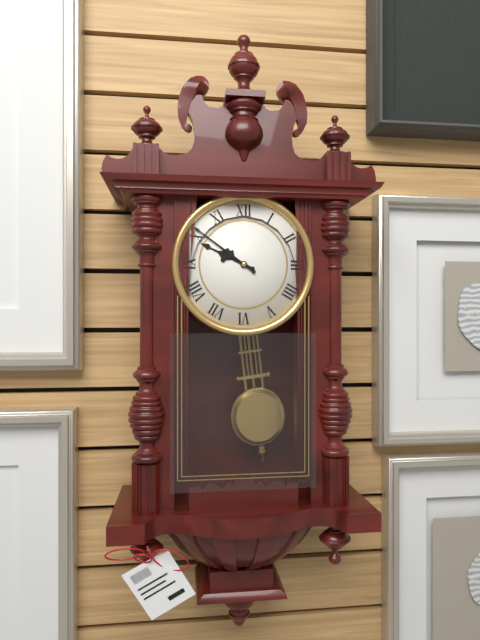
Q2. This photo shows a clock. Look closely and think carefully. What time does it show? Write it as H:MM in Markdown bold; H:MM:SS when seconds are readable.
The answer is **9:51**
